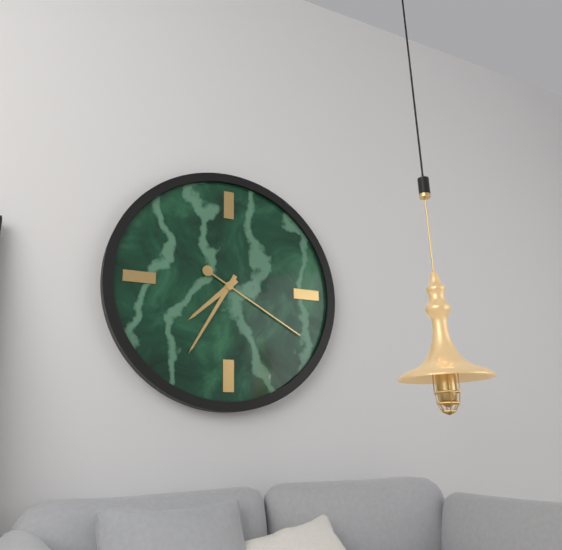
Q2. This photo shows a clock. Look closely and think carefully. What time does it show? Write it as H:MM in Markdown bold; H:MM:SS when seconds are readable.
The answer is **7:35:20**
